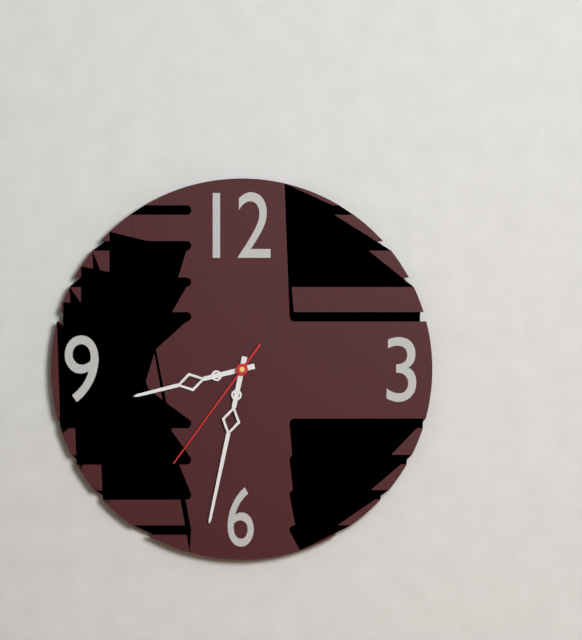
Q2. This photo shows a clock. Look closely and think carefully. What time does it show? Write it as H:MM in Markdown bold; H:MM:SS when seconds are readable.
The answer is **8:32:36**
